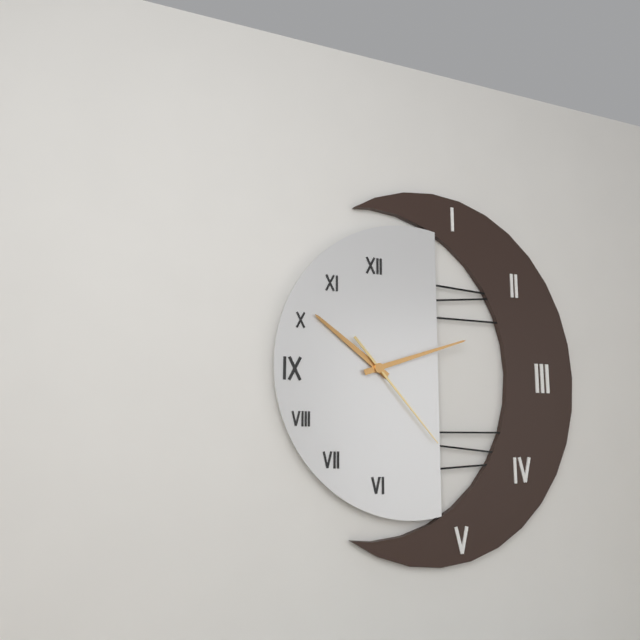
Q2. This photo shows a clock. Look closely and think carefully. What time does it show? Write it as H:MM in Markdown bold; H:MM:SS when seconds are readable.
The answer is **10:12:23**
